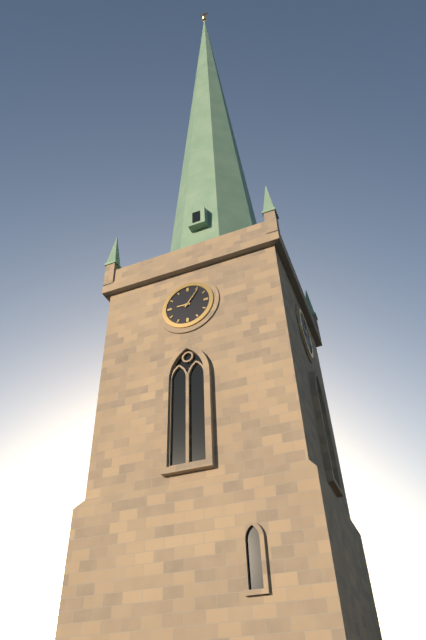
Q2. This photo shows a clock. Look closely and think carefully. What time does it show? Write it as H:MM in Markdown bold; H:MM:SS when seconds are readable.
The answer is **9:06**
